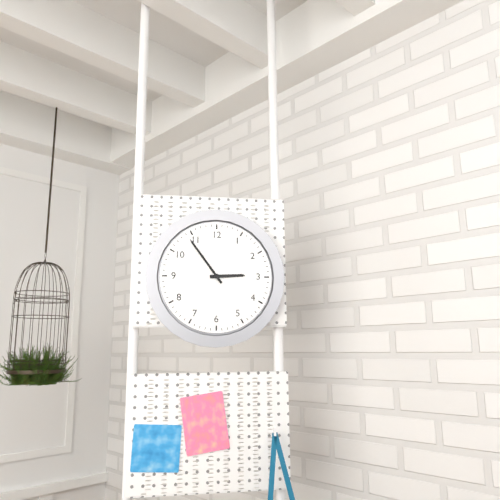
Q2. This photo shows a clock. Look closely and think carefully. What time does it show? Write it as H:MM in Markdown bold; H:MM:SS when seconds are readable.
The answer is **2:54**
